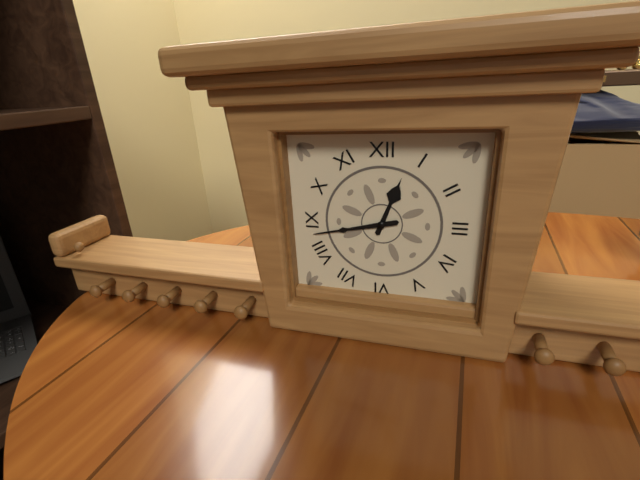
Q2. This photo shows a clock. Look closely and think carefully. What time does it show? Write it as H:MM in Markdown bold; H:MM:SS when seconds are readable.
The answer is **12:43**
